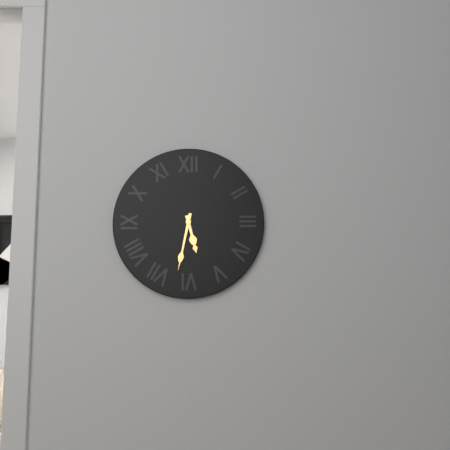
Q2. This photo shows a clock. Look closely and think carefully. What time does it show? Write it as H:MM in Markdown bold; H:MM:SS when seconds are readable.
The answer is **5:32**
